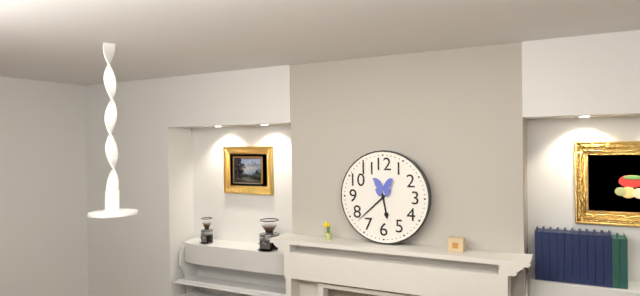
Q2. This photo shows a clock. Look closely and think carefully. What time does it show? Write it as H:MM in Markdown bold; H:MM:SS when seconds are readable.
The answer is **5:38**
